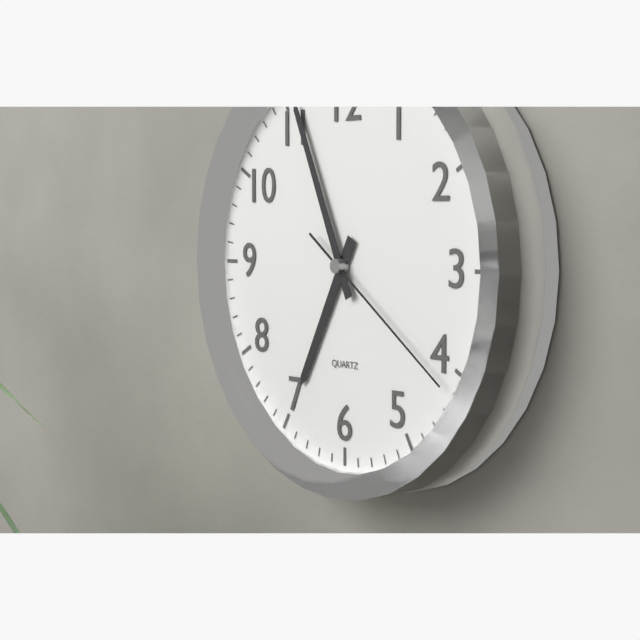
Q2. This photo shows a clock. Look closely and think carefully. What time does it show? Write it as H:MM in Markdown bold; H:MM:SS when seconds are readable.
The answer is **6:56:21**
